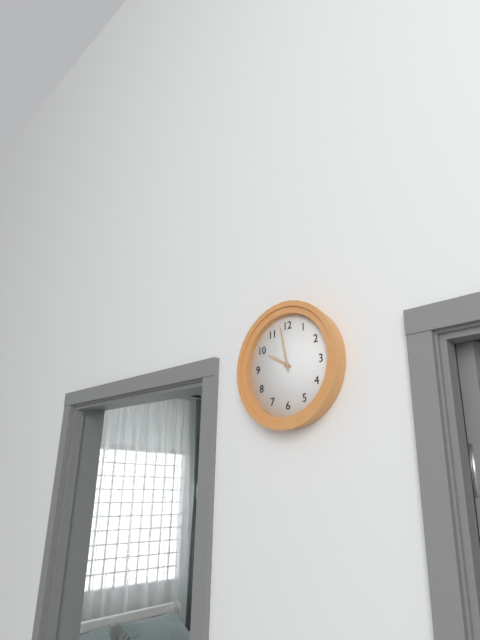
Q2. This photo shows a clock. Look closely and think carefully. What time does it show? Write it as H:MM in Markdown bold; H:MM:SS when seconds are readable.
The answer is **9:58**
